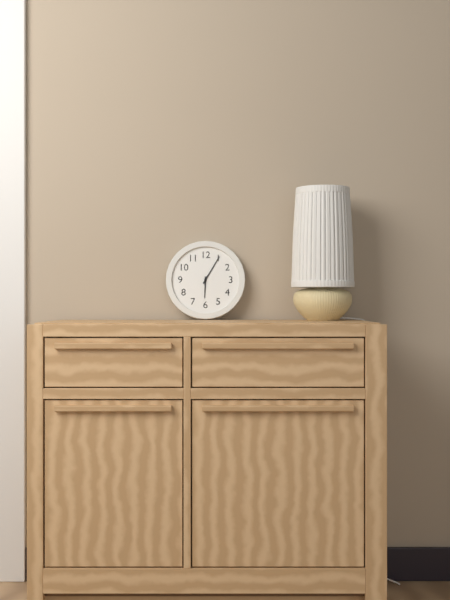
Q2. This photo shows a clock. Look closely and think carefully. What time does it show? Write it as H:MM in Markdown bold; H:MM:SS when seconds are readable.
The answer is **6:05**
